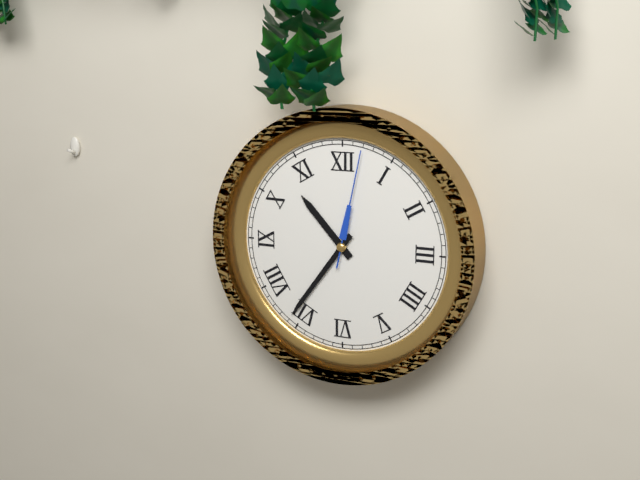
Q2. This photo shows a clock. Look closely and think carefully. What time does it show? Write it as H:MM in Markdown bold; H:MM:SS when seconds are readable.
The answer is **10:36:02**
